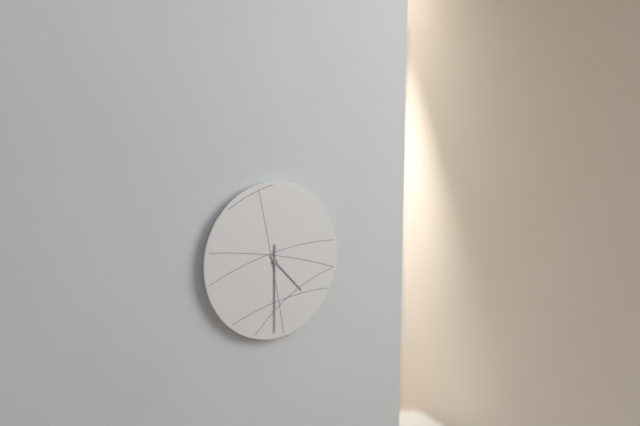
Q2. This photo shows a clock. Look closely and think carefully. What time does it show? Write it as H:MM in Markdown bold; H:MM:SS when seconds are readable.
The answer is **4:30**
